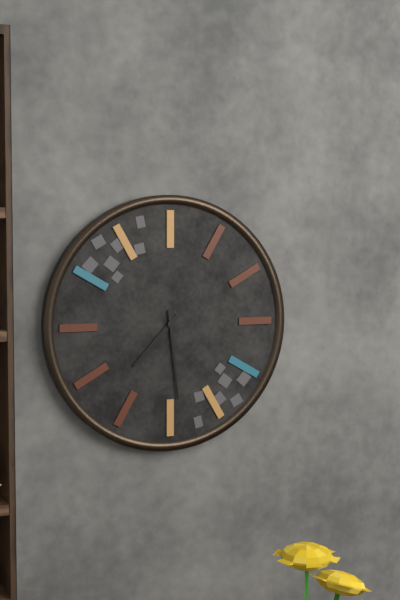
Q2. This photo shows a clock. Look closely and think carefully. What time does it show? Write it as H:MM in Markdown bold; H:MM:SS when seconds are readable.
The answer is **7:29**
